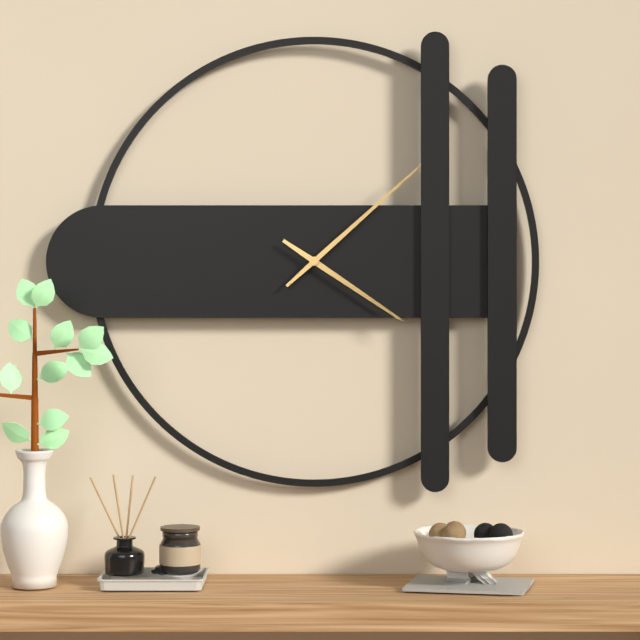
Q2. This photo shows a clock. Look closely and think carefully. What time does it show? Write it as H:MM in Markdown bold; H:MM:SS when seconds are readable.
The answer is **4:08**
